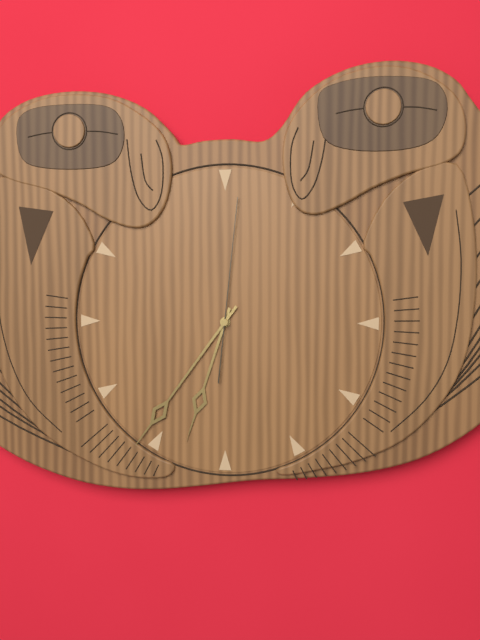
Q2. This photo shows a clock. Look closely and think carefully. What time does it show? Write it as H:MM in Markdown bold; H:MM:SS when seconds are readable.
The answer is **6:36:01**
